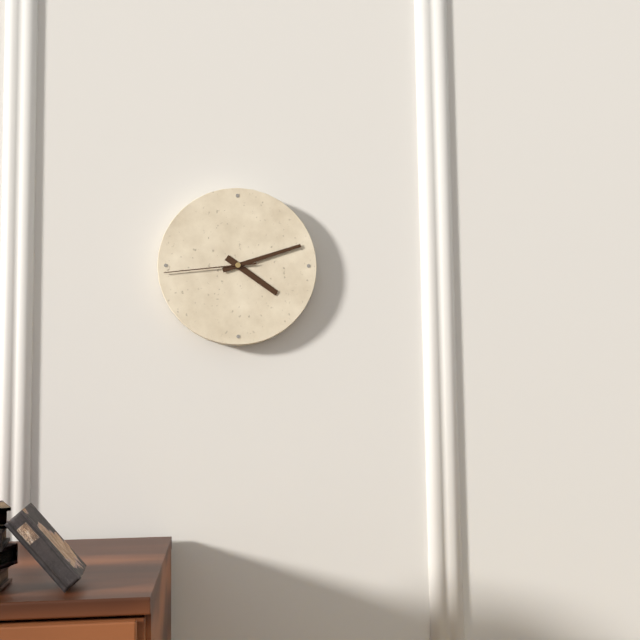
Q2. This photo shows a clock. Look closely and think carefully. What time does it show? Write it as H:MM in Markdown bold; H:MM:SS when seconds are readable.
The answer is **4:12:44**
